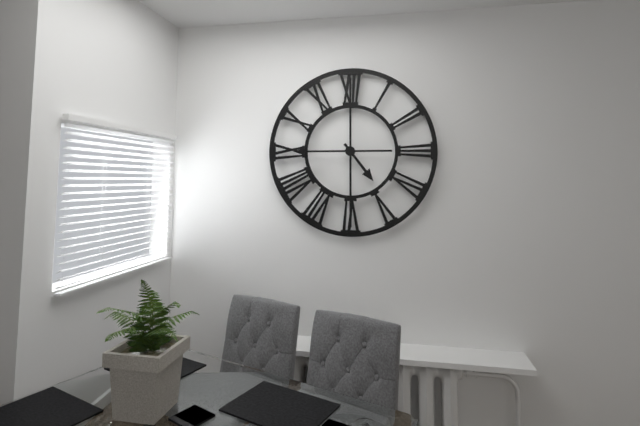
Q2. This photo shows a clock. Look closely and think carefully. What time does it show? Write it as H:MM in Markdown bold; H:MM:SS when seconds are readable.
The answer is **4:45**
